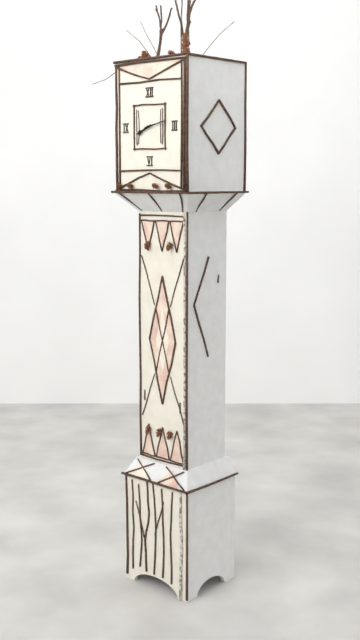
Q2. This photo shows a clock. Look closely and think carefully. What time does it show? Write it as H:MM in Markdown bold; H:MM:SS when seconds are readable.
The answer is **8:13**
